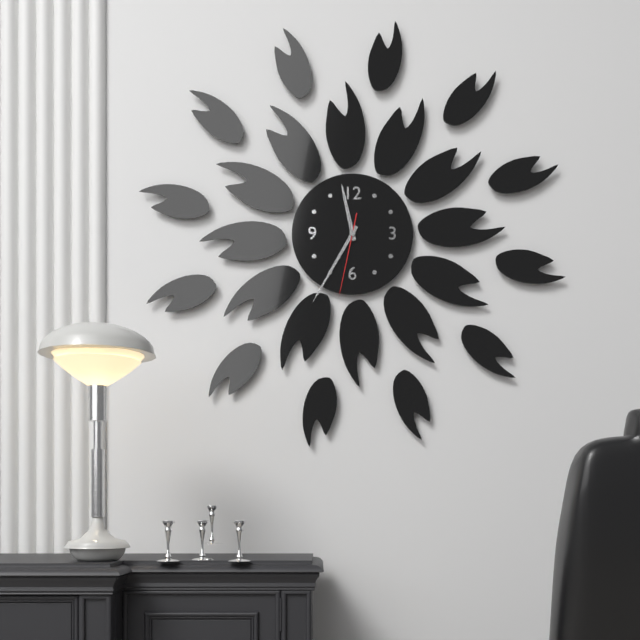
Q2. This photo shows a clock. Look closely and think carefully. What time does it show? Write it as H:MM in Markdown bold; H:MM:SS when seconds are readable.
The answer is **11:35:32**
